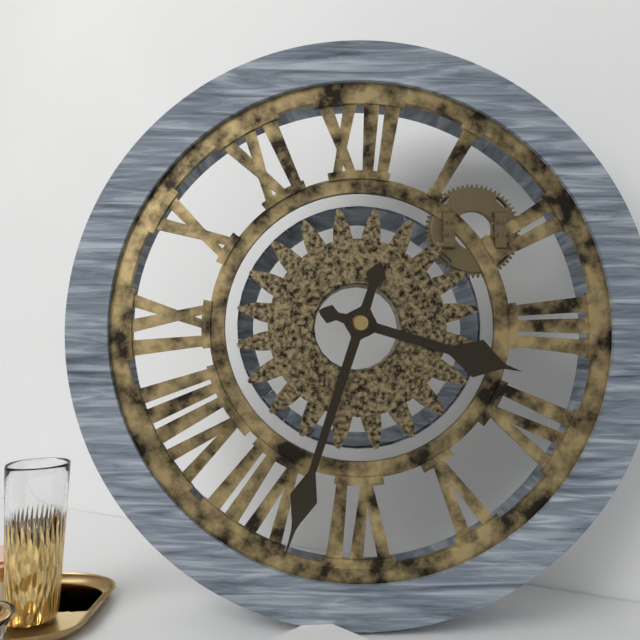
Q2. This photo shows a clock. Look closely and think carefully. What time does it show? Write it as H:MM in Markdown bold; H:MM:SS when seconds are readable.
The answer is **3:33**
